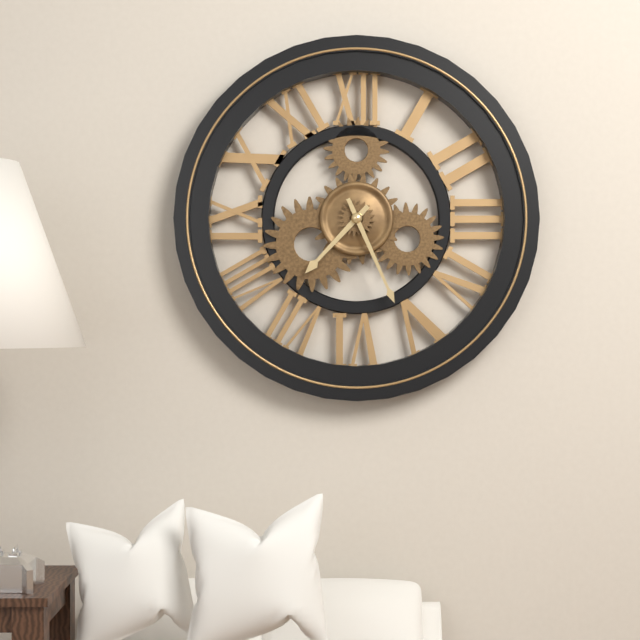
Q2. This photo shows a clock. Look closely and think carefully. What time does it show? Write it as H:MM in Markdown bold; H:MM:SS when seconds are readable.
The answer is **7:26**
